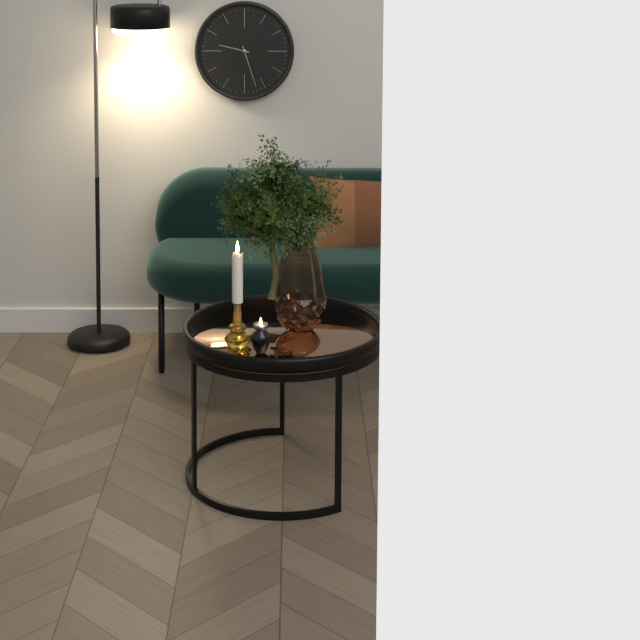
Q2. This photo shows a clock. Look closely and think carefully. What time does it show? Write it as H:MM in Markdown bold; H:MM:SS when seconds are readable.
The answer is **9:27**
